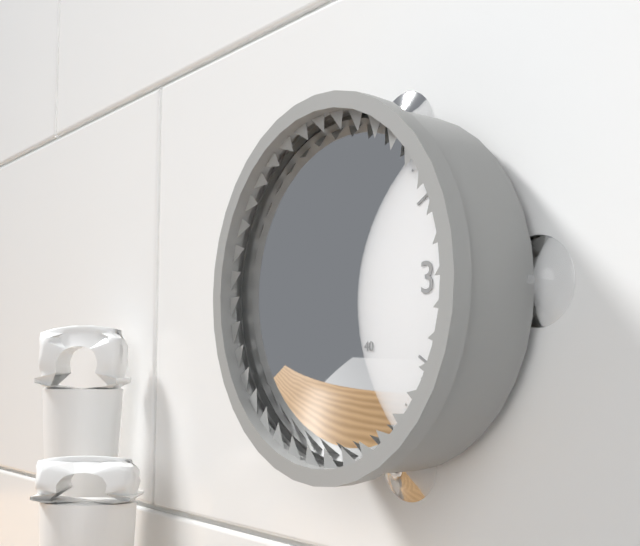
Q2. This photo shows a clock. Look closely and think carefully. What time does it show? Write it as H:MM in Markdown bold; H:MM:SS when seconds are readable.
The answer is **12:01**
